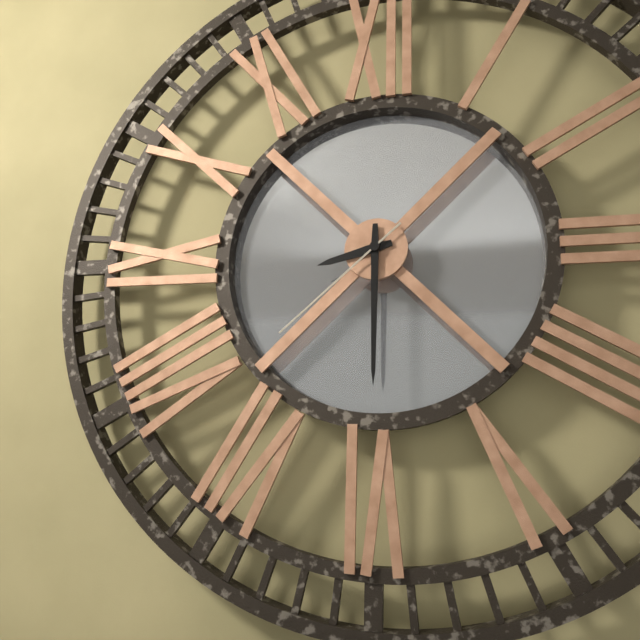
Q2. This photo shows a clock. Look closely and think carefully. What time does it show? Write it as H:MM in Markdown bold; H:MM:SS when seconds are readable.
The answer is **8:30:38**
